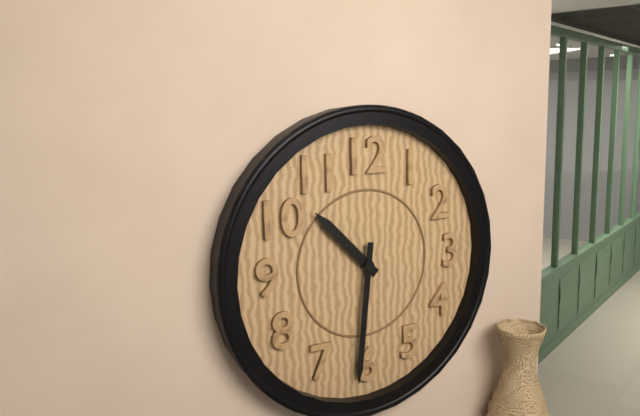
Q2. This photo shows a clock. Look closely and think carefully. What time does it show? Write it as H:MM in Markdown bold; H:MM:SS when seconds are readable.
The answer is **10:31**
